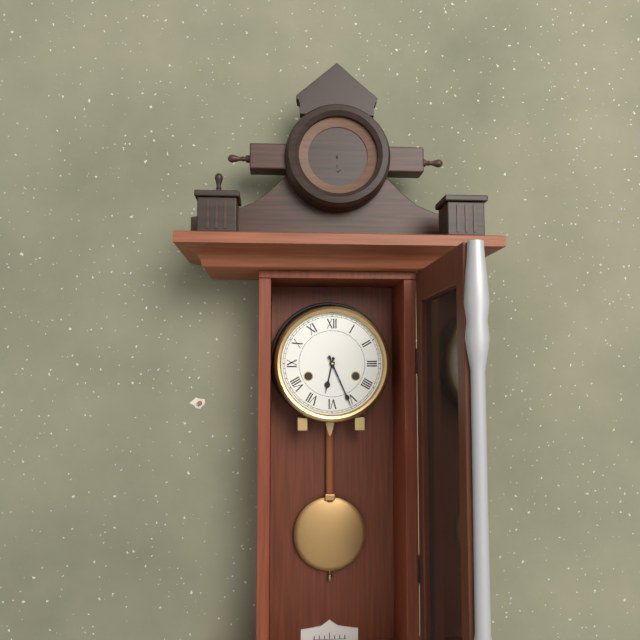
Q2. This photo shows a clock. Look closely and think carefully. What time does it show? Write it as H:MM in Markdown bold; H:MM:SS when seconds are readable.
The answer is **6:26**
